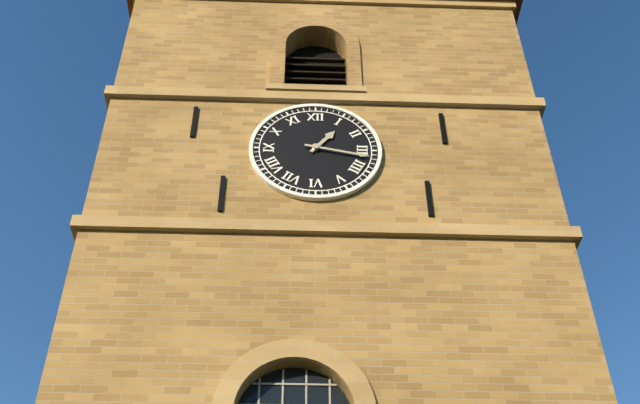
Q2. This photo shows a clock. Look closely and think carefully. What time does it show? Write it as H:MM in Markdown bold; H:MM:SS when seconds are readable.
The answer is **1:17**
